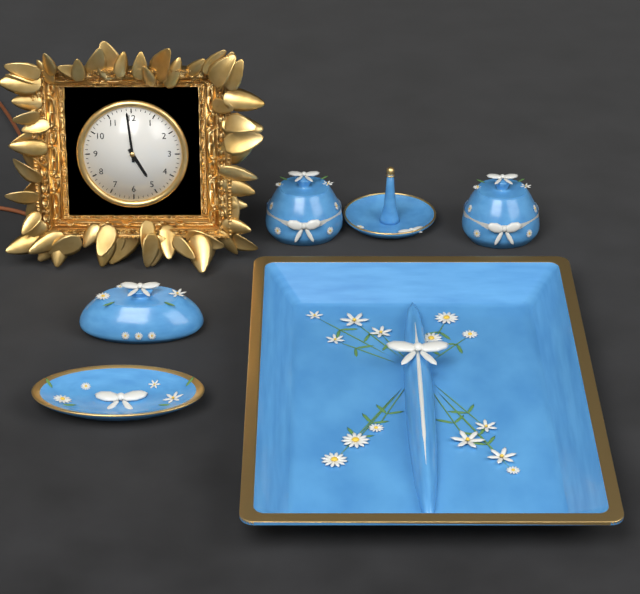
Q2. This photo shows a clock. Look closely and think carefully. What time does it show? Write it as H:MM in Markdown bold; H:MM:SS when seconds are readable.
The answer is **4:59**
